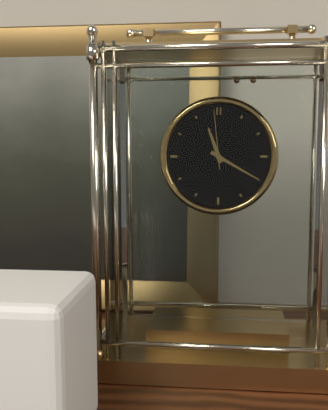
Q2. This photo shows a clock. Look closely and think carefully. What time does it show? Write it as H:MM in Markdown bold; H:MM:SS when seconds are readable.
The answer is **11:20:59**
